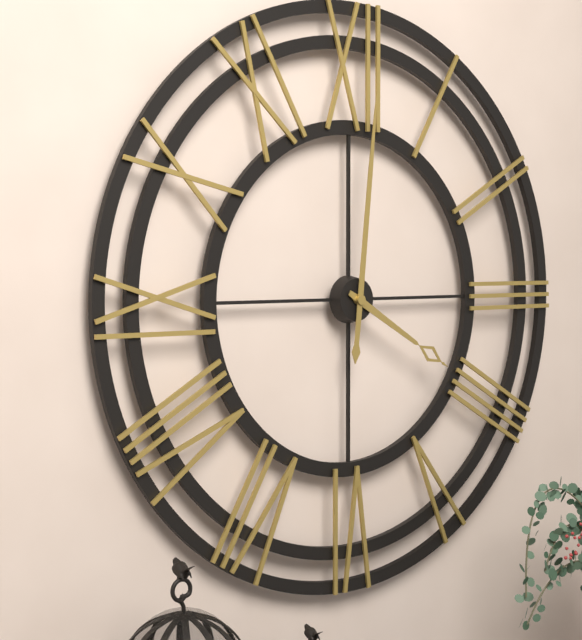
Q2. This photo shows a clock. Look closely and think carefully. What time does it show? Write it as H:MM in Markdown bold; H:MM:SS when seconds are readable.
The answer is **4:01**
